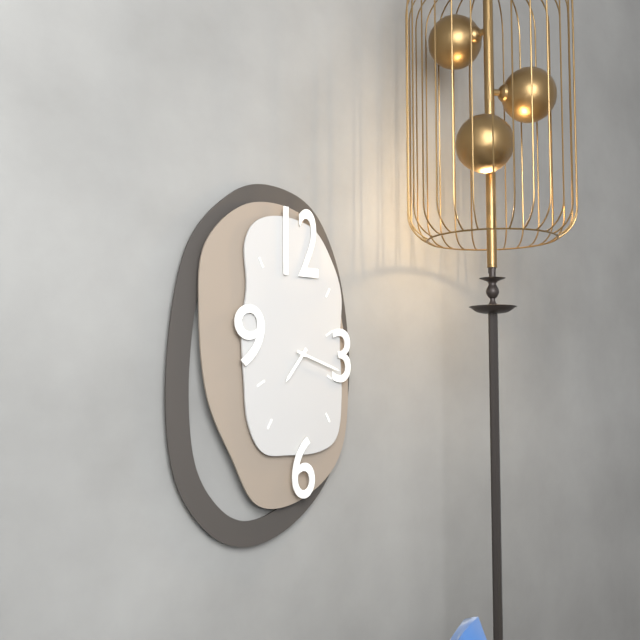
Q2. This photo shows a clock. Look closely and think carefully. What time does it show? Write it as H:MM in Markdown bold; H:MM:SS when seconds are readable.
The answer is **7:18**
